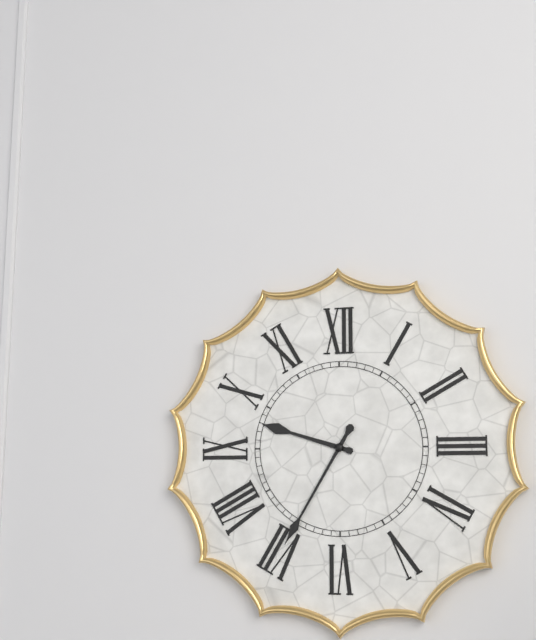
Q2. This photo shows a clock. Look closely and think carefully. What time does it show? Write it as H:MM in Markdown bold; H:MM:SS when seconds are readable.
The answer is **9:35**
